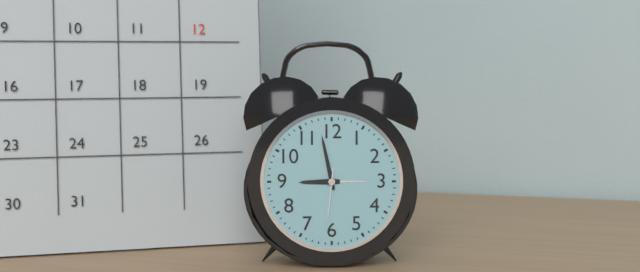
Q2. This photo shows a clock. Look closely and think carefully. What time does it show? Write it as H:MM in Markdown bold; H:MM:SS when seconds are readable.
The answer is **8:58:31**
